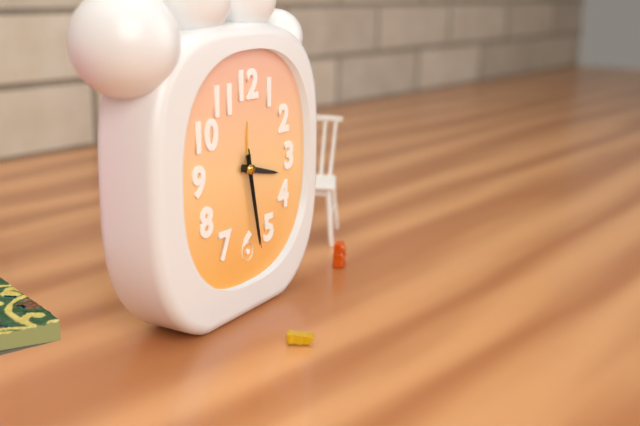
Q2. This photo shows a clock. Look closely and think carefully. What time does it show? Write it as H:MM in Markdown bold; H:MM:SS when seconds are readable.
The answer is **3:28:28**
